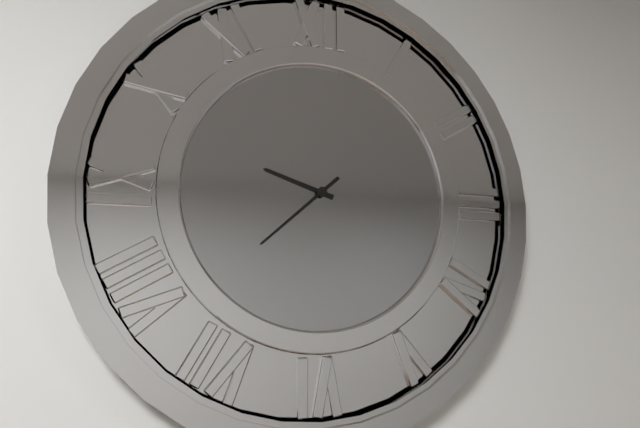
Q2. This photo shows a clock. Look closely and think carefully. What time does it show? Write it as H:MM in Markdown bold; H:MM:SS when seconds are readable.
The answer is **9:38**
